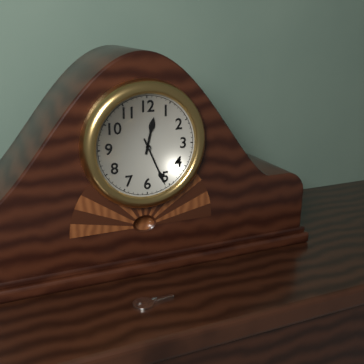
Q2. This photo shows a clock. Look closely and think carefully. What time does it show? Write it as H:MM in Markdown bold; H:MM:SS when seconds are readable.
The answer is **12:26**
